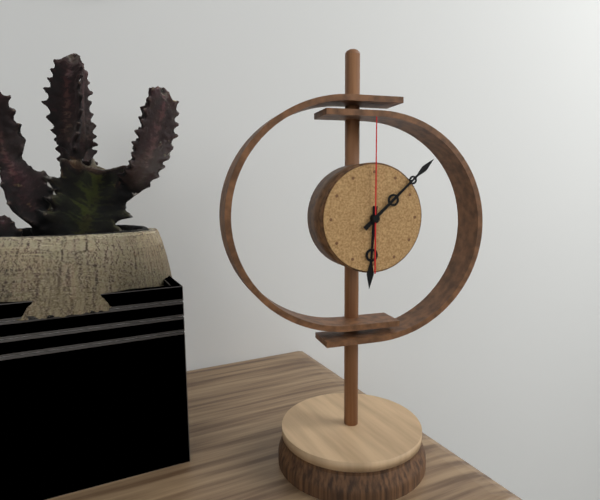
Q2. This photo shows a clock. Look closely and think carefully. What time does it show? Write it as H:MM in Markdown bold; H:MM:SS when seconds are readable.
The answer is **6:08:00**
